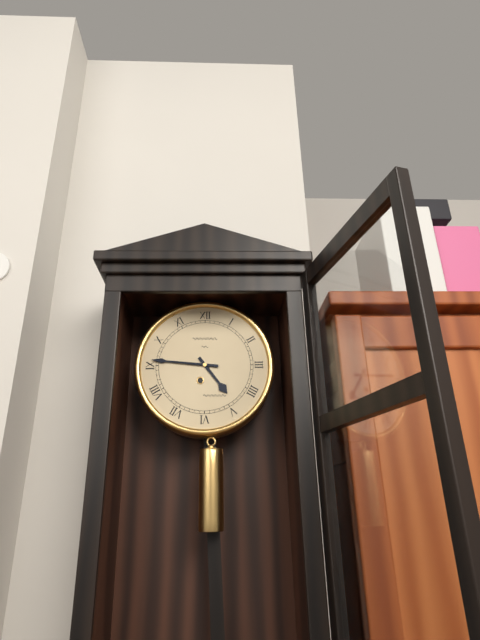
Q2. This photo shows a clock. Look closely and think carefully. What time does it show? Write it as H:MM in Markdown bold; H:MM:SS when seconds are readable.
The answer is **4:46**
